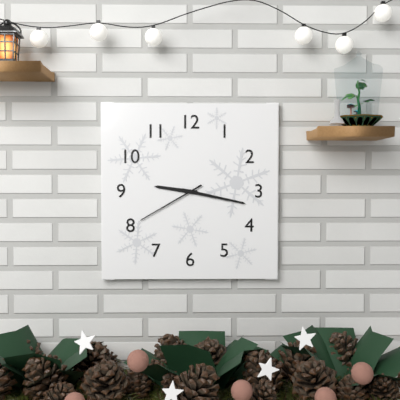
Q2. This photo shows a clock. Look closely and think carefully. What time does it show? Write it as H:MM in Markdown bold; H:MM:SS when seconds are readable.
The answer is **9:17:40**
